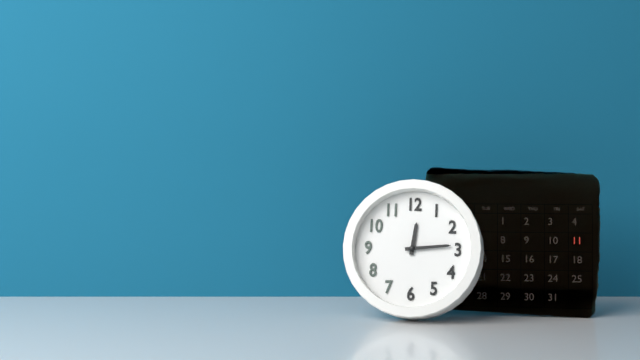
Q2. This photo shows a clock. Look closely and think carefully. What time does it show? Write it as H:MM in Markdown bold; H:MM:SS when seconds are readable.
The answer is **12:14**
